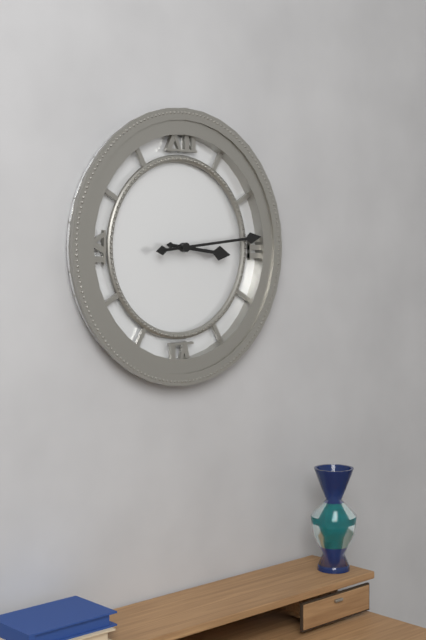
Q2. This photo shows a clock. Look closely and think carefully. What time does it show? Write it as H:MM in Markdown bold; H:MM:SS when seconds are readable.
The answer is **3:14**
